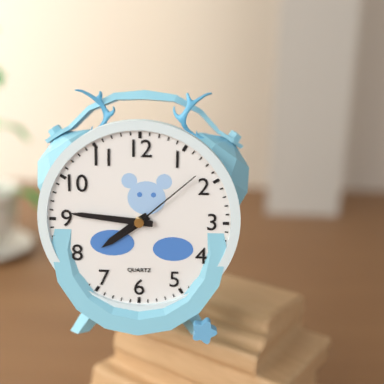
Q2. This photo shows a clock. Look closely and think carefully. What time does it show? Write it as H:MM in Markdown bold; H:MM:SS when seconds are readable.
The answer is **7:46:08**
